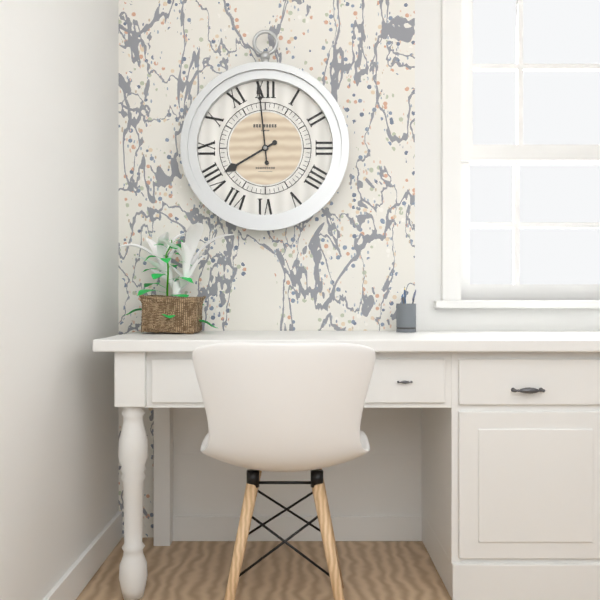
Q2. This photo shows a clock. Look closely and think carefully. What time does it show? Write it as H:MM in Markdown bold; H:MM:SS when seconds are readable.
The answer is **7:59**
